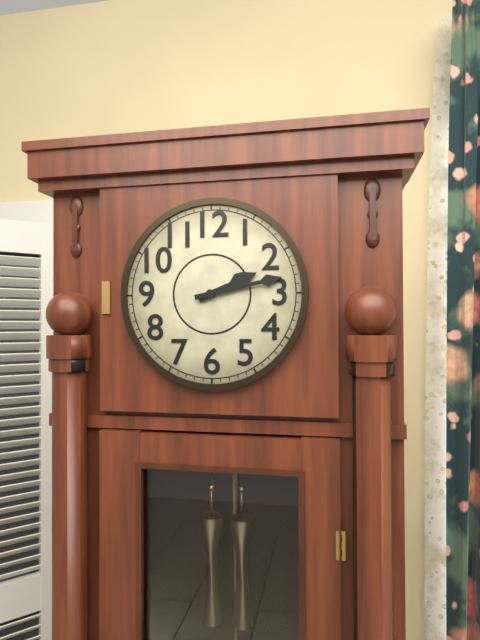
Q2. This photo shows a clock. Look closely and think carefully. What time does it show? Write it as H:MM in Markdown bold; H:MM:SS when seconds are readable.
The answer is **2:13**
